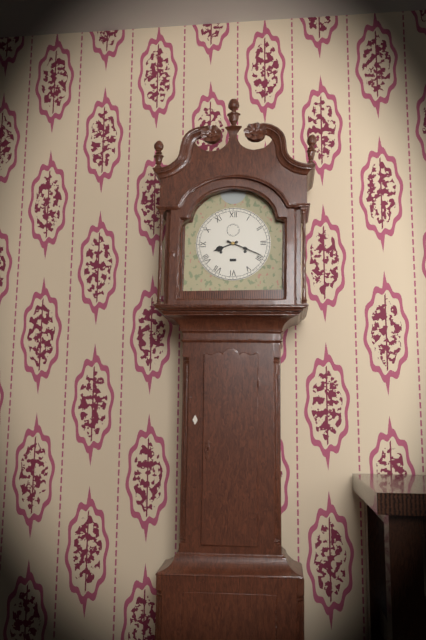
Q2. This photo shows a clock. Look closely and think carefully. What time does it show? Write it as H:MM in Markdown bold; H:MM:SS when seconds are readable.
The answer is **8:19**
